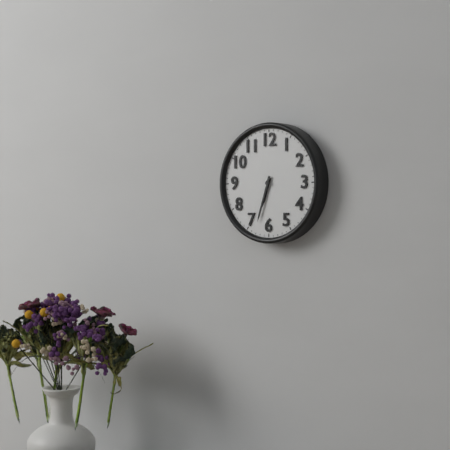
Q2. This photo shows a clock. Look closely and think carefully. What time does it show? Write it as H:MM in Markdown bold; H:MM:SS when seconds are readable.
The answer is **6:33**
